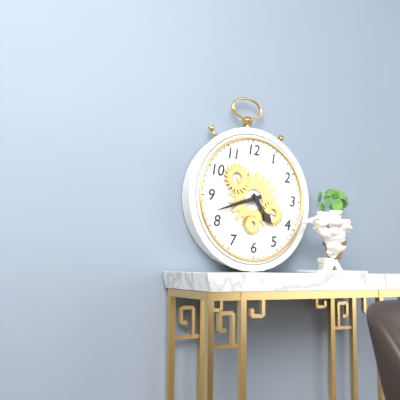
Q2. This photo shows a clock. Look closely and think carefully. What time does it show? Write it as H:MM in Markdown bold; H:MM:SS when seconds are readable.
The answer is **4:42**
